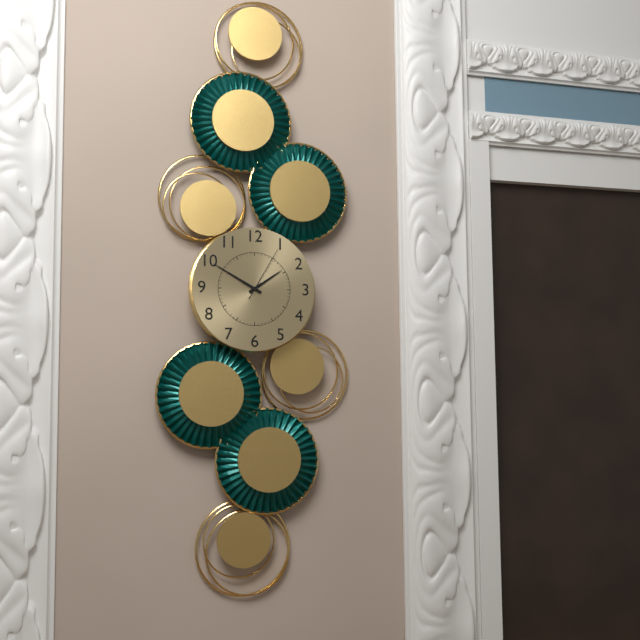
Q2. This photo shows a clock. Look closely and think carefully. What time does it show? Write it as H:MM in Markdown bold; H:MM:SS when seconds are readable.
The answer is **1:50:05**
